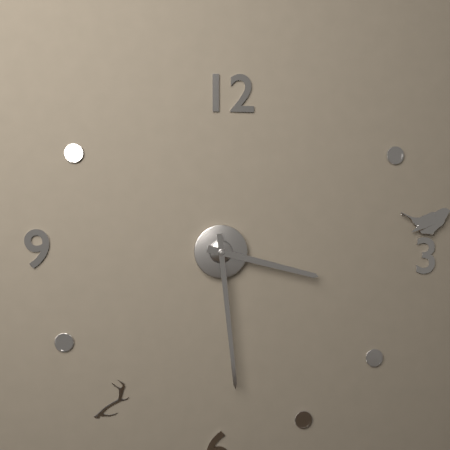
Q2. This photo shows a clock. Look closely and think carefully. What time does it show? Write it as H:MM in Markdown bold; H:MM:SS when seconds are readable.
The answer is **3:29**
